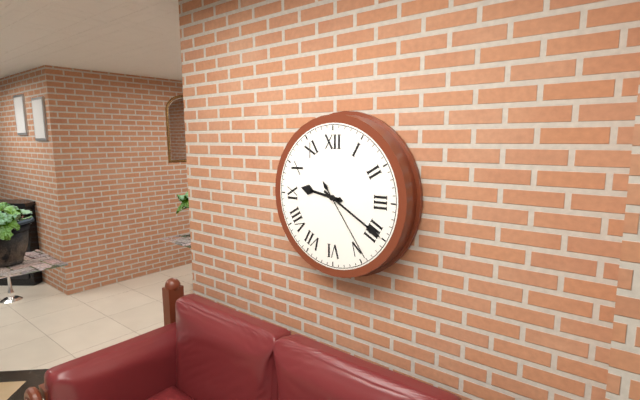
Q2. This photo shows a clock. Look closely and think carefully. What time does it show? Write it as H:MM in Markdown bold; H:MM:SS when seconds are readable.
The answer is **9:20:24**
